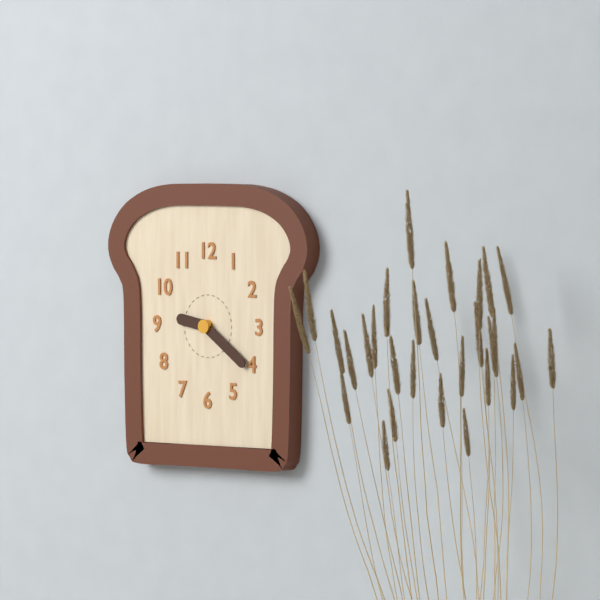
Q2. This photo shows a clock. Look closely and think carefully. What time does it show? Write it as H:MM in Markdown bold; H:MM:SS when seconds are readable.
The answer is **9:21**
